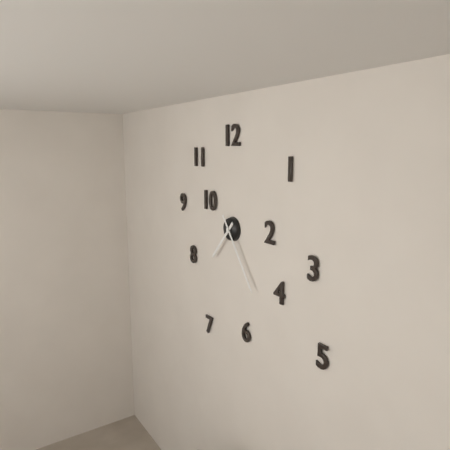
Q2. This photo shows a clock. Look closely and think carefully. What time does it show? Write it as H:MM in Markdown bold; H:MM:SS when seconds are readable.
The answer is **7:24**
